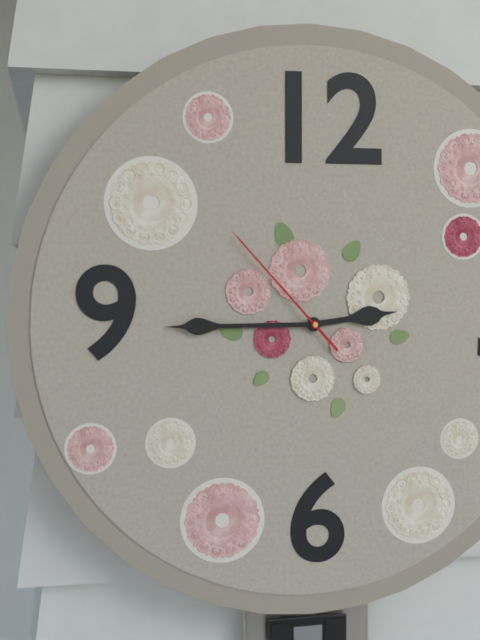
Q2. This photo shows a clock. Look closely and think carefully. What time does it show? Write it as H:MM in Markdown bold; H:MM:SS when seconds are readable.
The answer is **2:45:53**
